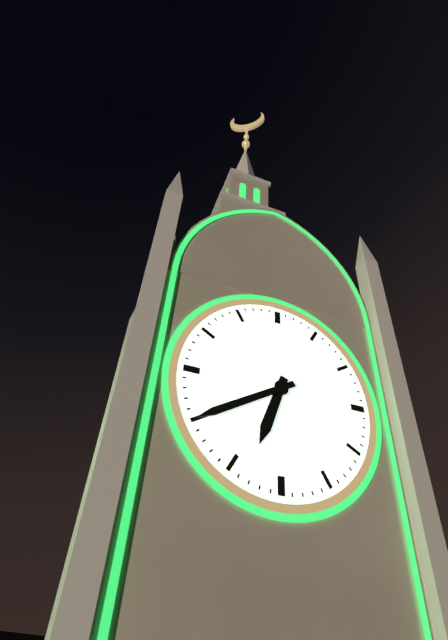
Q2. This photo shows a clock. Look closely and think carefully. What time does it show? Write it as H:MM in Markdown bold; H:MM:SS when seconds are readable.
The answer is **6:40**
